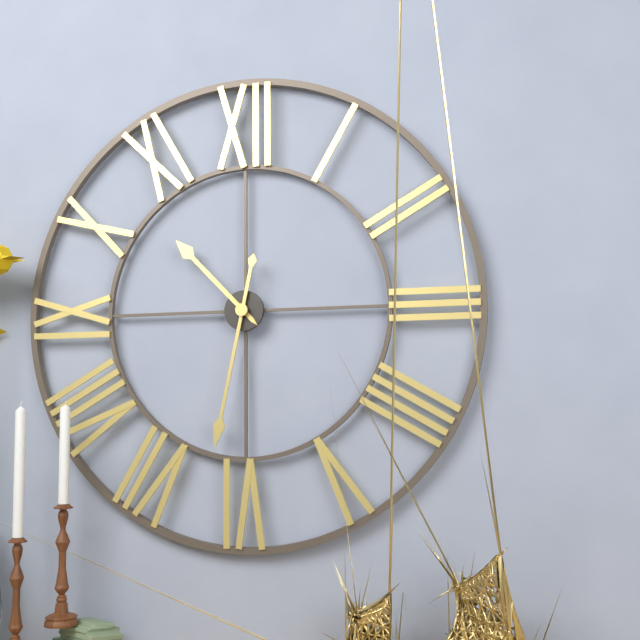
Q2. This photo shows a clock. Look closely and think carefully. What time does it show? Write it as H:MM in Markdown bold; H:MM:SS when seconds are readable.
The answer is **10:32**
